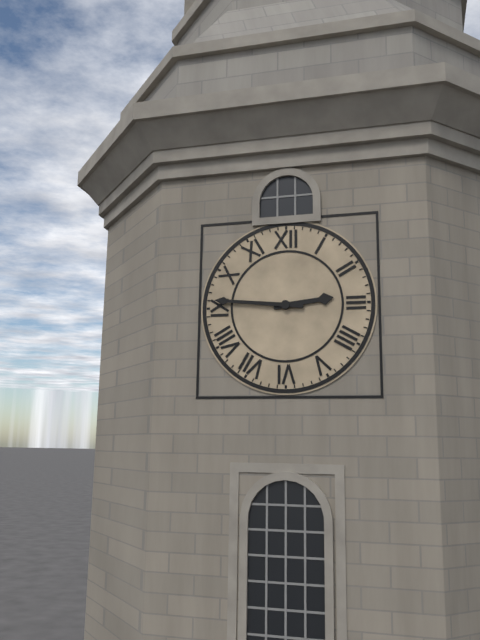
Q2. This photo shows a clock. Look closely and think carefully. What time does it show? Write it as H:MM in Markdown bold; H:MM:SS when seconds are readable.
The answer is **2:46**
